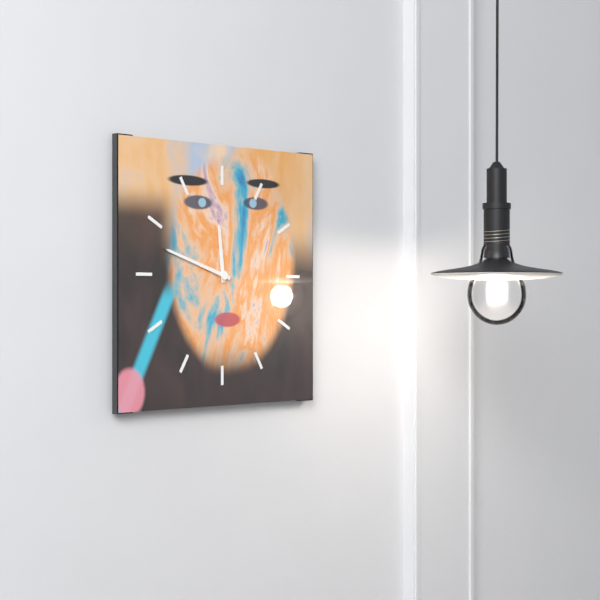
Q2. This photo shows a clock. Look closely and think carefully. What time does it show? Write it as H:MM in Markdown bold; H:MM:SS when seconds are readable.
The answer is **11:48**
